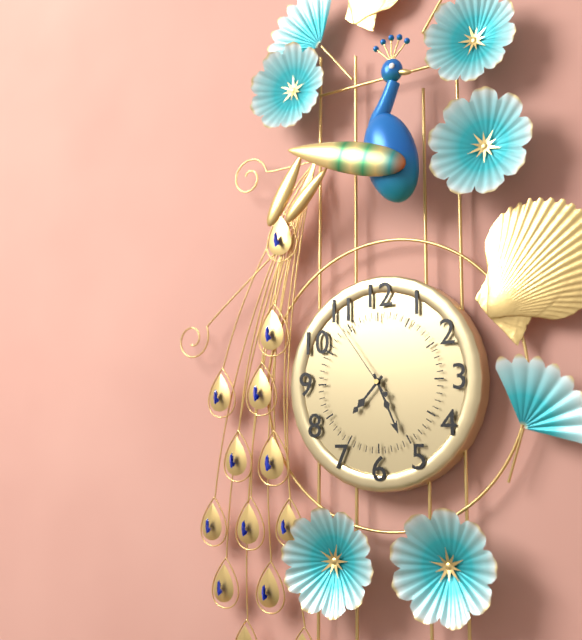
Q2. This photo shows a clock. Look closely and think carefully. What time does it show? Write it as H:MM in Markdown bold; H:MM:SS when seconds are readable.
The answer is **7:26:54**
